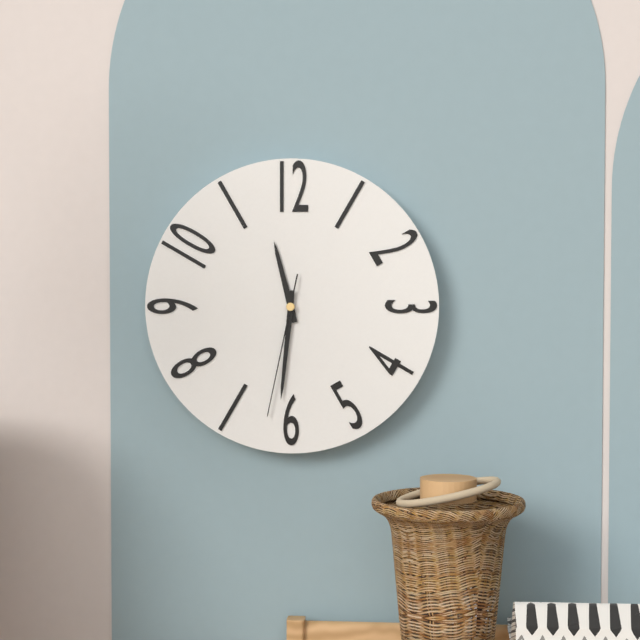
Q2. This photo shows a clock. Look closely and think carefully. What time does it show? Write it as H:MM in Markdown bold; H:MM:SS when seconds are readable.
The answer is **11:31:32**
